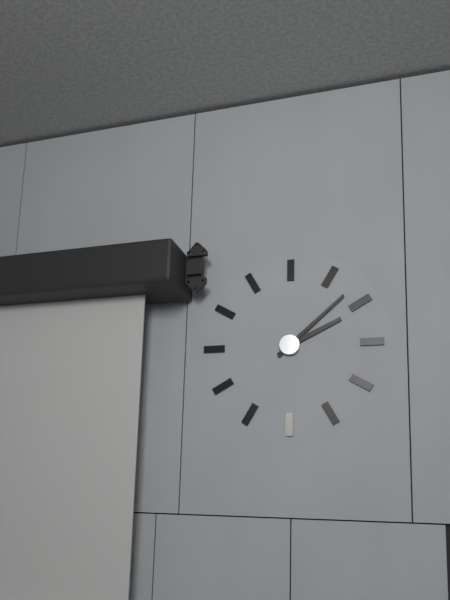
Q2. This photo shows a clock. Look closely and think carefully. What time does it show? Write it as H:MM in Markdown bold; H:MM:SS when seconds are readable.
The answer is **2:08**
